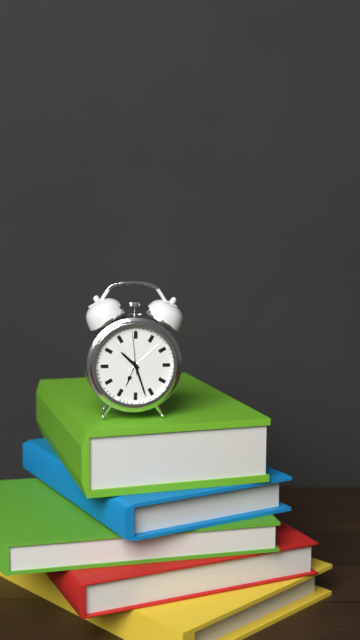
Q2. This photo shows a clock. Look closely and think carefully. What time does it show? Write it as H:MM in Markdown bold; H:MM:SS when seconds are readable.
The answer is **10:27**
